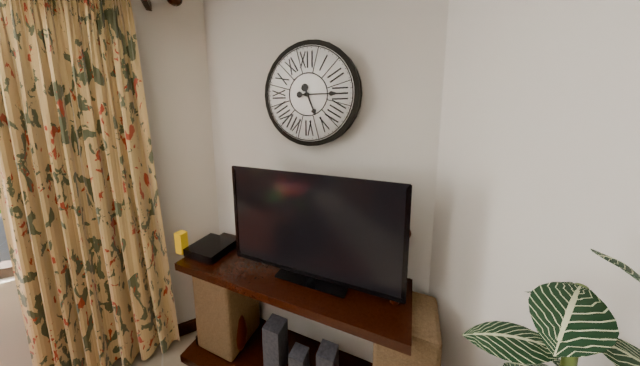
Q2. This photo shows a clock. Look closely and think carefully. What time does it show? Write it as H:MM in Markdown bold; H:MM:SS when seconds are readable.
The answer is **5:15**
